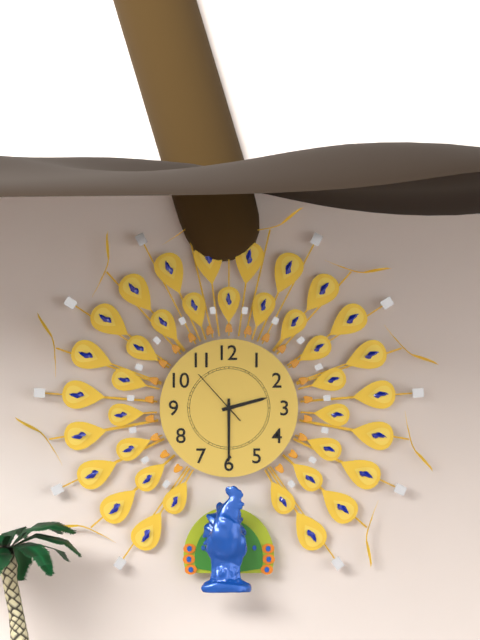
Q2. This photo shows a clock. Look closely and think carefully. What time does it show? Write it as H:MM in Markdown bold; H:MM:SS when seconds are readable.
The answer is **2:30:53**
